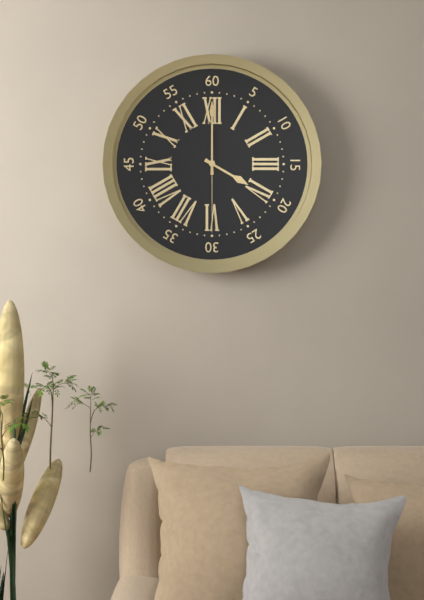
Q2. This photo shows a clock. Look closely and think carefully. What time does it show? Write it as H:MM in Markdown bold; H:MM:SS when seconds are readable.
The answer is **4:00:30**
